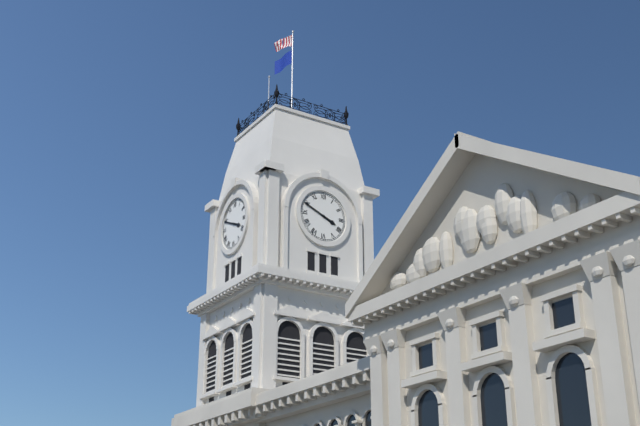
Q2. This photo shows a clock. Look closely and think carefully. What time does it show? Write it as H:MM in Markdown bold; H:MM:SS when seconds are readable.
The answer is **3:49**
